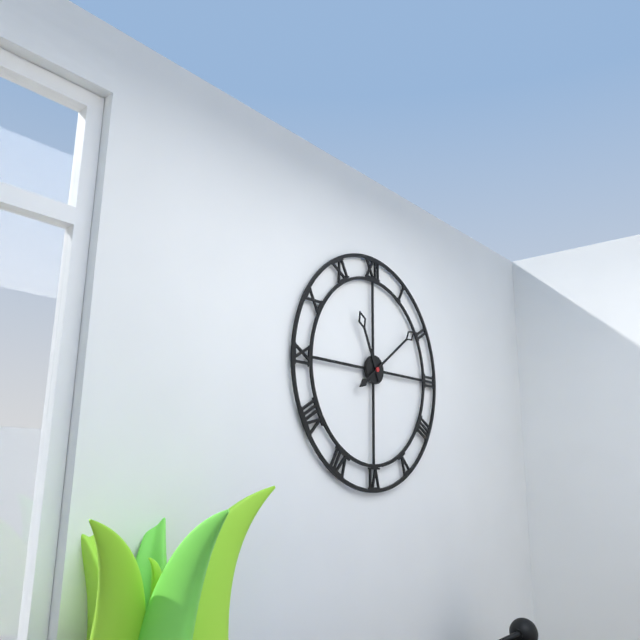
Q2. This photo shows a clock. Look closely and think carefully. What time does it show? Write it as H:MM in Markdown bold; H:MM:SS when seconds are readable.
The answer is **11:09**
